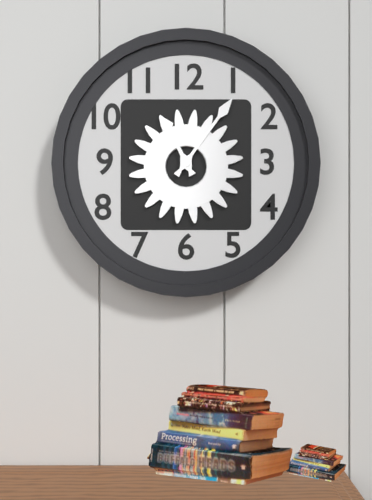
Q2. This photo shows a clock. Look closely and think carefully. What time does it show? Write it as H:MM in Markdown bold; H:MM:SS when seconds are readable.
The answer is **11:06**
